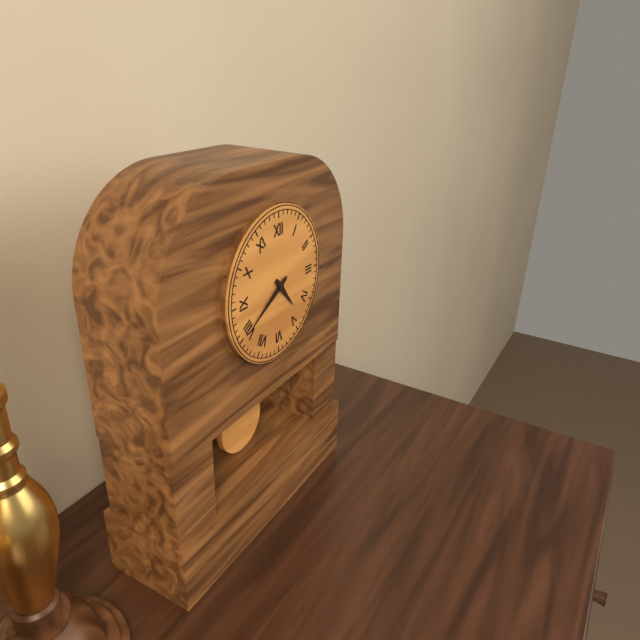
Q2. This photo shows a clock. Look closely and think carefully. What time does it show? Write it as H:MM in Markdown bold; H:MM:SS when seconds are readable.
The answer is **4:40**
